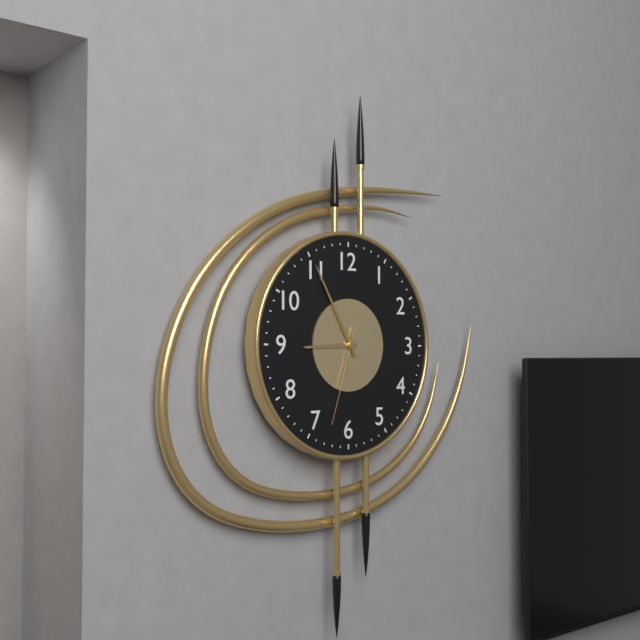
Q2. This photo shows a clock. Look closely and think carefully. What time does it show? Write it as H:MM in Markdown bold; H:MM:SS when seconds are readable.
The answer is **8:55:33**
